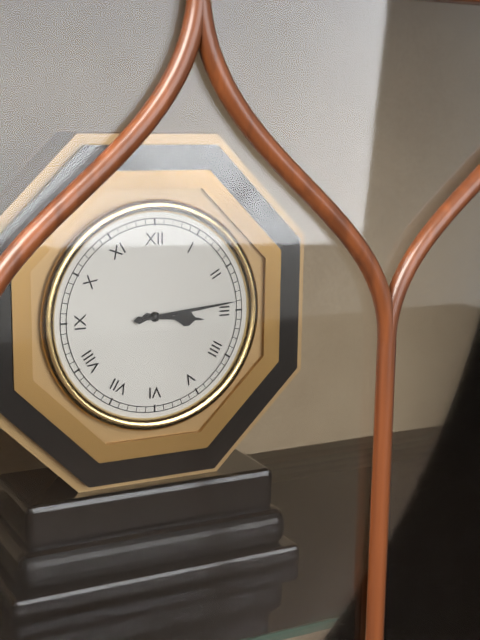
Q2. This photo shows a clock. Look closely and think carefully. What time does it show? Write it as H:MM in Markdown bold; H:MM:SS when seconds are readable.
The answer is **3:14**
